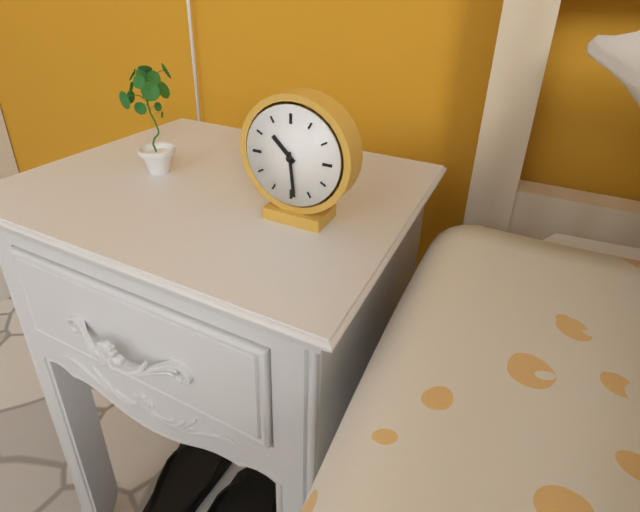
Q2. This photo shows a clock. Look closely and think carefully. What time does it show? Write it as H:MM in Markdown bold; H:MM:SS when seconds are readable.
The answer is **10:29**
